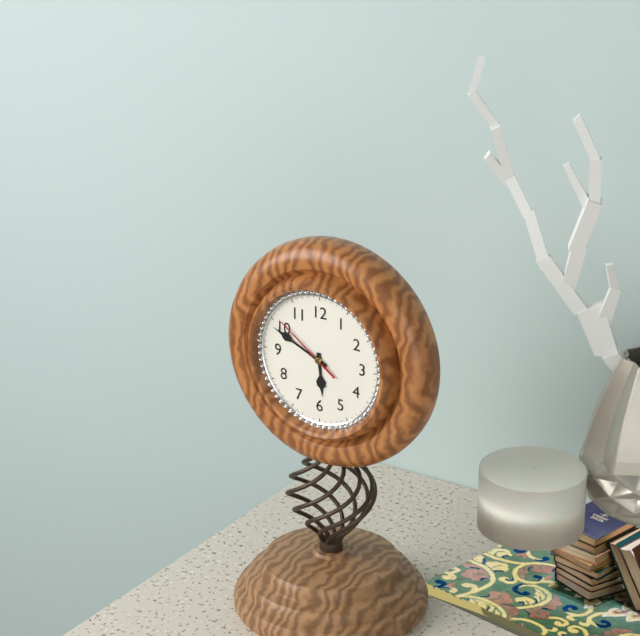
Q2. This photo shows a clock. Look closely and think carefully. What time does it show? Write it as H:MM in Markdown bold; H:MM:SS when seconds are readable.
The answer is **5:49:51**
